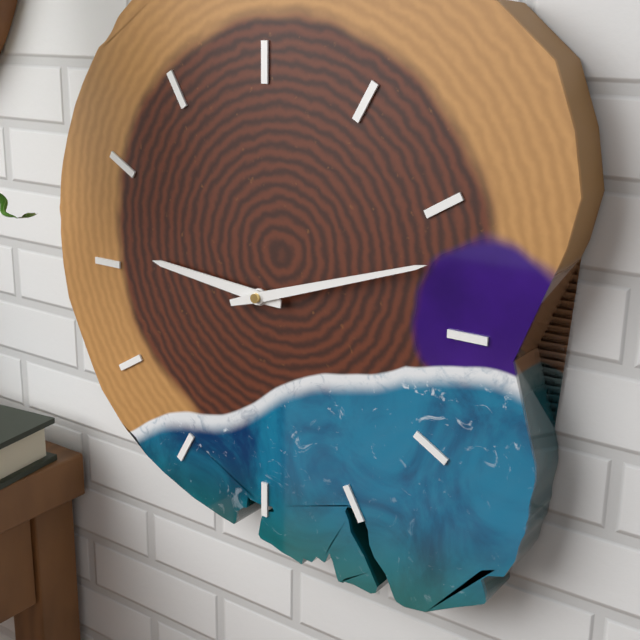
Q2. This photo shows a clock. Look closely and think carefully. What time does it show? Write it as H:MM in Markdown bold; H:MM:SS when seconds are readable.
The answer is **9:12**
